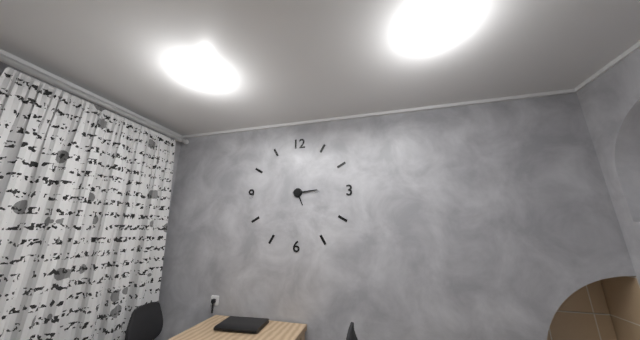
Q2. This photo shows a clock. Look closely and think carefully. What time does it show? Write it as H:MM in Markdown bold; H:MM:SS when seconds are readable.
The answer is **5:14**
